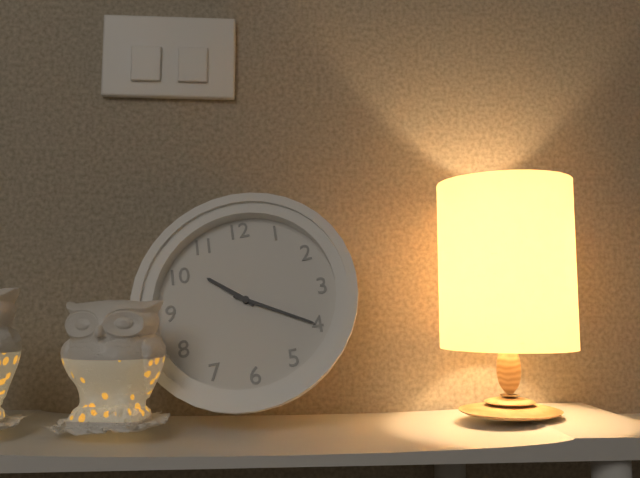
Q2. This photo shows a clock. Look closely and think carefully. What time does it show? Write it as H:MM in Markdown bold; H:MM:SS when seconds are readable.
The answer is **10:20**
